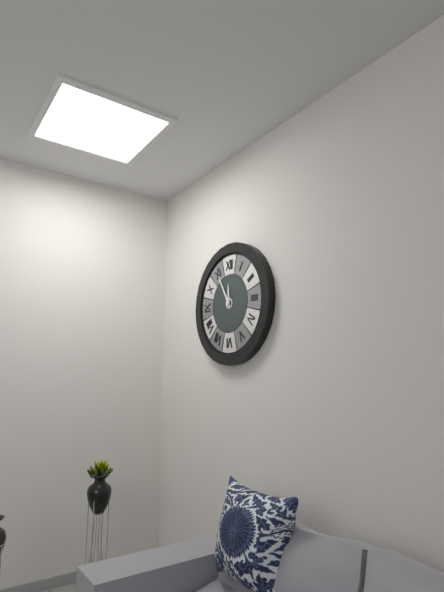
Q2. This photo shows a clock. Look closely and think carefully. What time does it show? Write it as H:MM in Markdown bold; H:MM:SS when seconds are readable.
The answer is **11:55**
